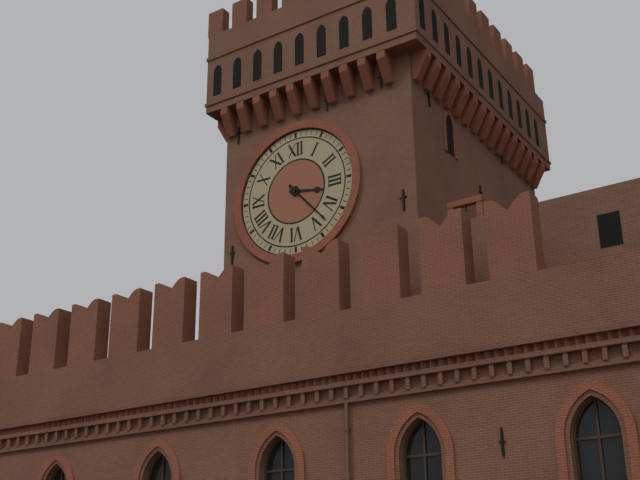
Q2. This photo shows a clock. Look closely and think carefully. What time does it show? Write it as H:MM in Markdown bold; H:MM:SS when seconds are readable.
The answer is **3:23**
